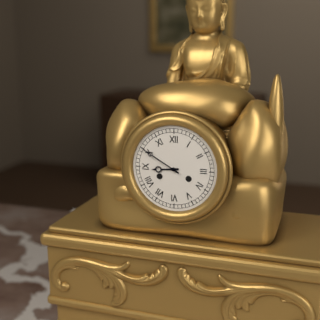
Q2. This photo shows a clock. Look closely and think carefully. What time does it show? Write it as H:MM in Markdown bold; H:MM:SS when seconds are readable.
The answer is **8:50**
